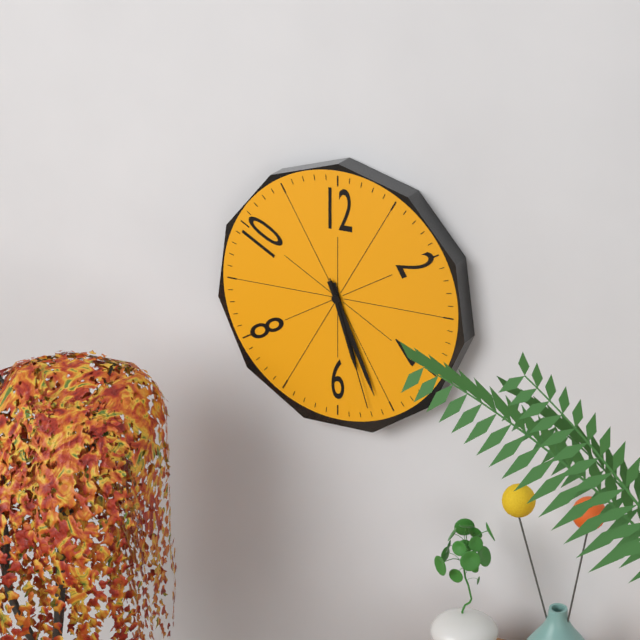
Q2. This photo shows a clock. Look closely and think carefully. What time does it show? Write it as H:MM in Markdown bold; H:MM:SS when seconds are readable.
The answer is **5:26:27**
